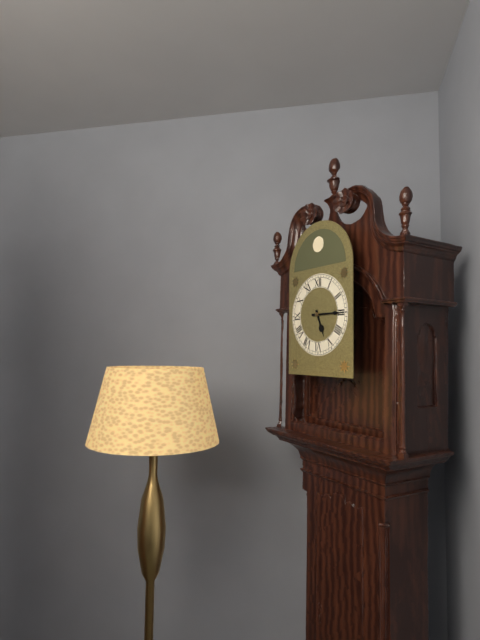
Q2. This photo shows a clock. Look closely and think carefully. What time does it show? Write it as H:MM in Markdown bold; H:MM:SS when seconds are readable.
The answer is **5:15**
